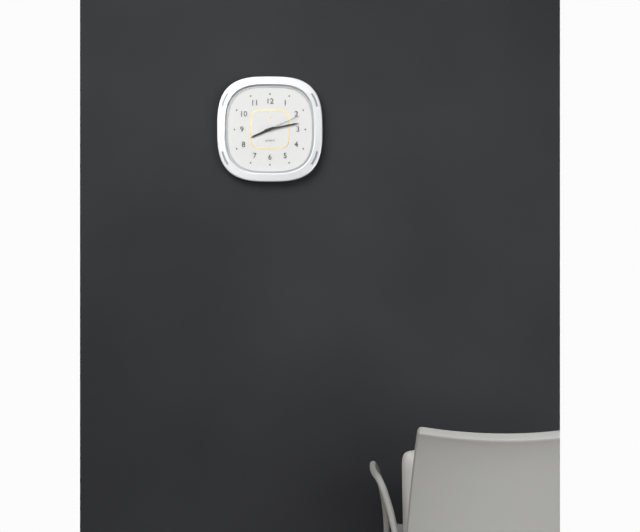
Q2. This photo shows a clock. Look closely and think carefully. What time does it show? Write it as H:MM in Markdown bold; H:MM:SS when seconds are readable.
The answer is **8:13**
